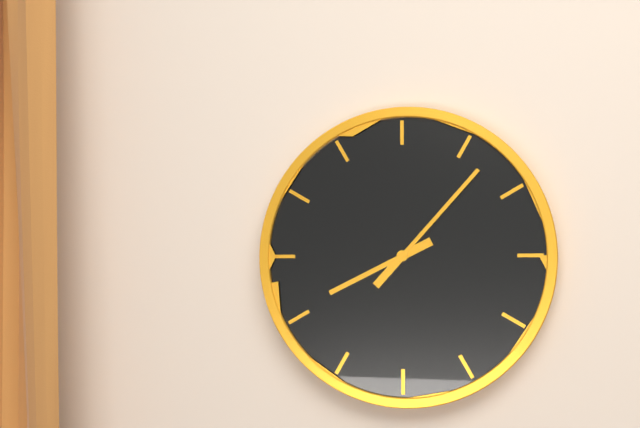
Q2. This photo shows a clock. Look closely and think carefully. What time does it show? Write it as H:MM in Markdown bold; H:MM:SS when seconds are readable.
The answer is **8:07**
